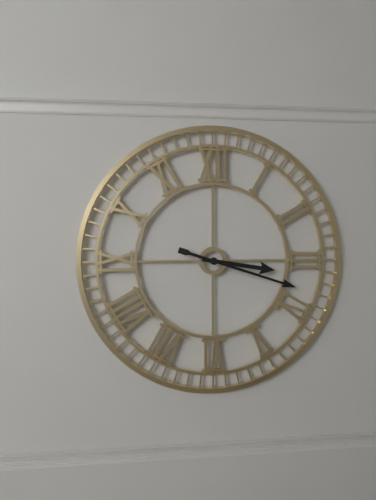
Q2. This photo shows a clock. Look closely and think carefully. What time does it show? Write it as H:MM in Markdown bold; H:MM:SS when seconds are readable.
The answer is **3:18**
